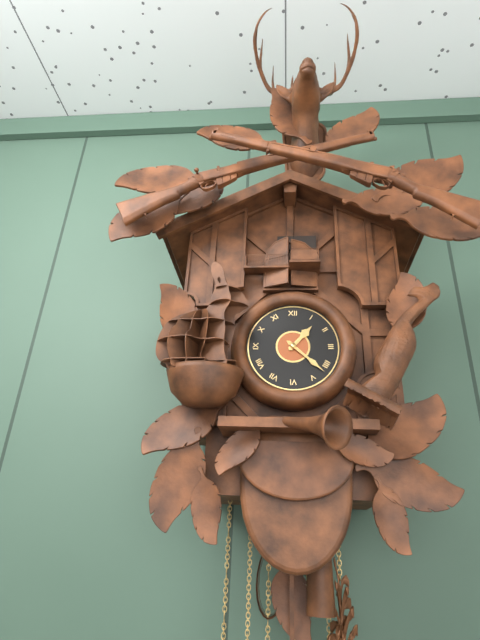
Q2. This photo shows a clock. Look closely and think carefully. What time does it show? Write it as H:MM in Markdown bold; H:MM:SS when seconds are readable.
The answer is **1:22**
